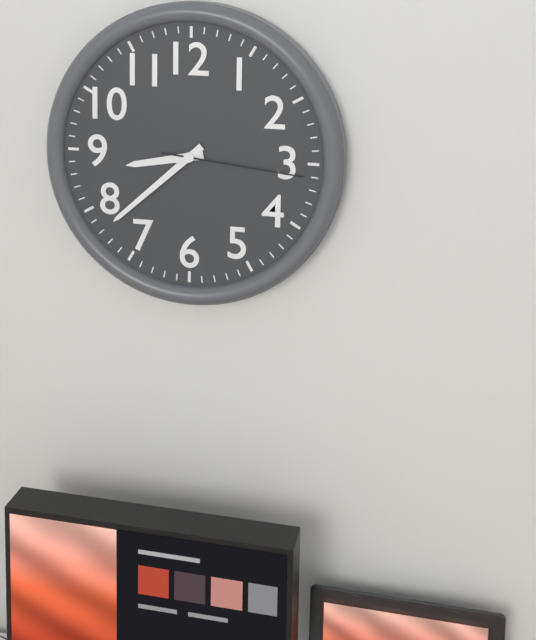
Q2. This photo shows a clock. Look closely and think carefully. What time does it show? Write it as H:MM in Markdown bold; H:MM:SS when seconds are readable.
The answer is **8:38:16**
